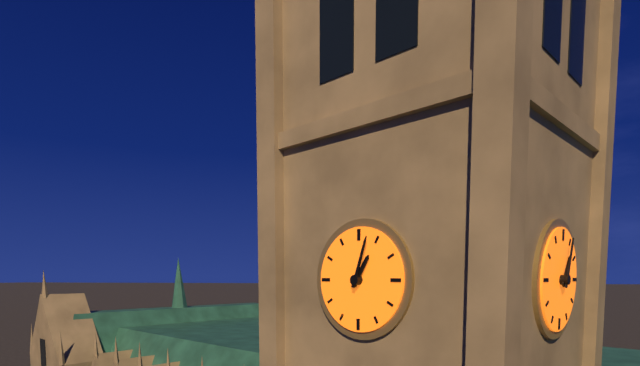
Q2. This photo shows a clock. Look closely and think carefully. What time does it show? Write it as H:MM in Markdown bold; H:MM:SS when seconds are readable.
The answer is **1:03**
